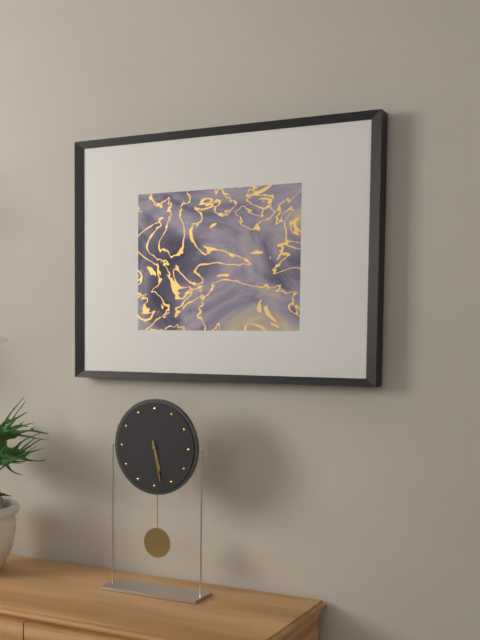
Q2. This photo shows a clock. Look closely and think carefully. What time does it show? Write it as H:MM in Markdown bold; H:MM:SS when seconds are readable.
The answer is **5:28**
